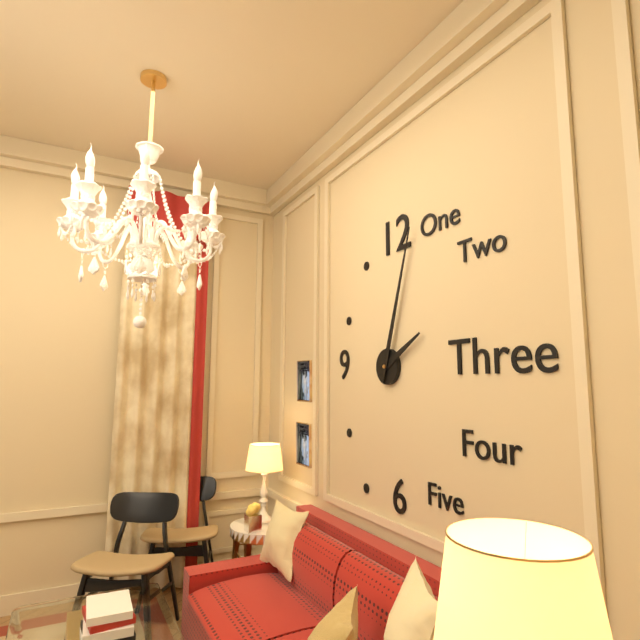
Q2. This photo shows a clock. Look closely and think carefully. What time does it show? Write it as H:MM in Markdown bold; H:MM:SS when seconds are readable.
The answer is **2:03**
